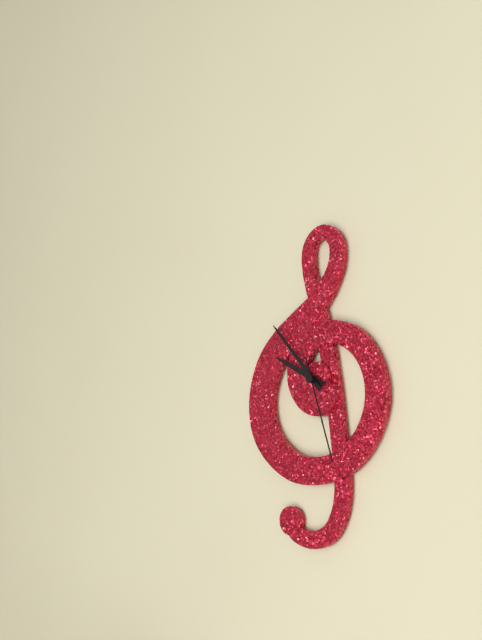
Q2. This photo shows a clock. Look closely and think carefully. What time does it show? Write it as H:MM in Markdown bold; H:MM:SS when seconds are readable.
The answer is **9:53:27**
